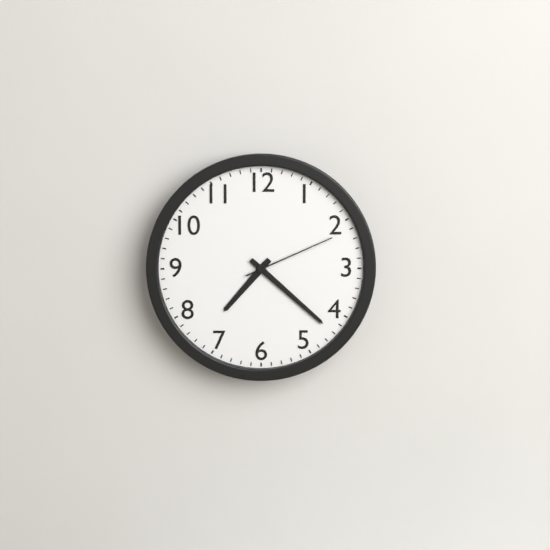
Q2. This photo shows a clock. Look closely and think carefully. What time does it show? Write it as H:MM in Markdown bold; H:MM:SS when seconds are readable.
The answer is **7:22:11**
